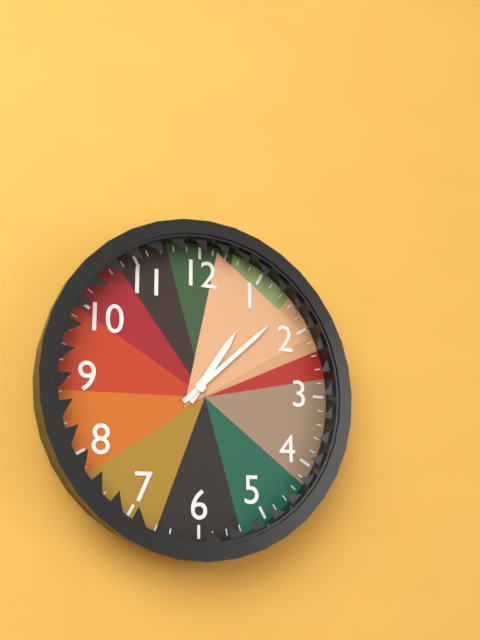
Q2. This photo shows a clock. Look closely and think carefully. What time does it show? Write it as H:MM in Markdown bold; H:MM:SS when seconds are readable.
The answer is **1:08**
